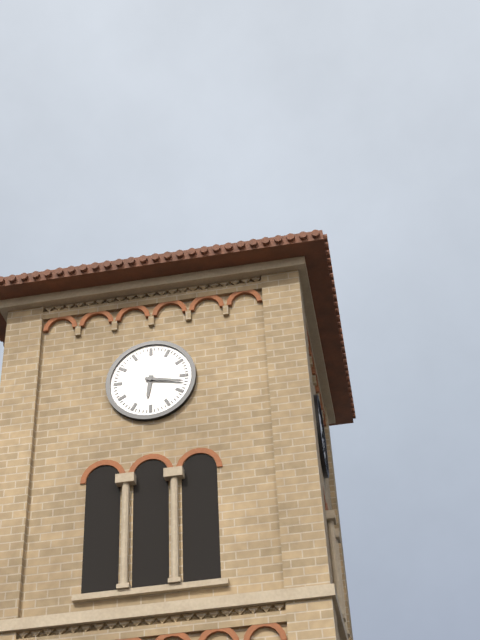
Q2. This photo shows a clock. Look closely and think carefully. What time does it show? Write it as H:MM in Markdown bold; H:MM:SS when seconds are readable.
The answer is **6:17**
